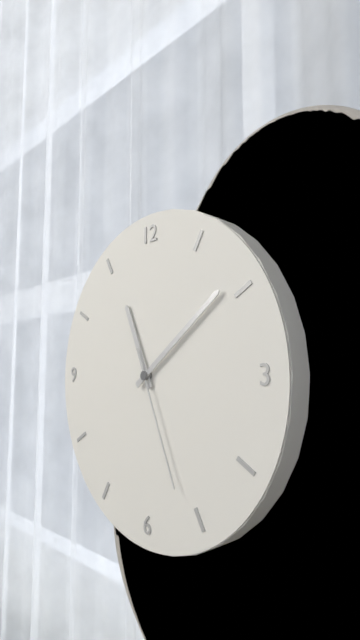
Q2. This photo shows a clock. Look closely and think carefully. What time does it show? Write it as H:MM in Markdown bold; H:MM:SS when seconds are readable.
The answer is **11:09:26**
